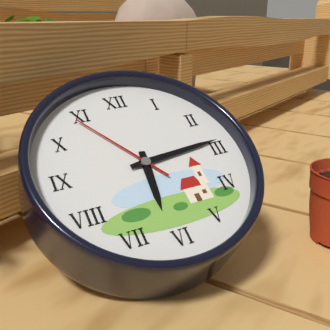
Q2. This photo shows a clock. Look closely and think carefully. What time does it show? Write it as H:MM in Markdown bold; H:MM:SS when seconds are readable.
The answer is **6:14:54**
